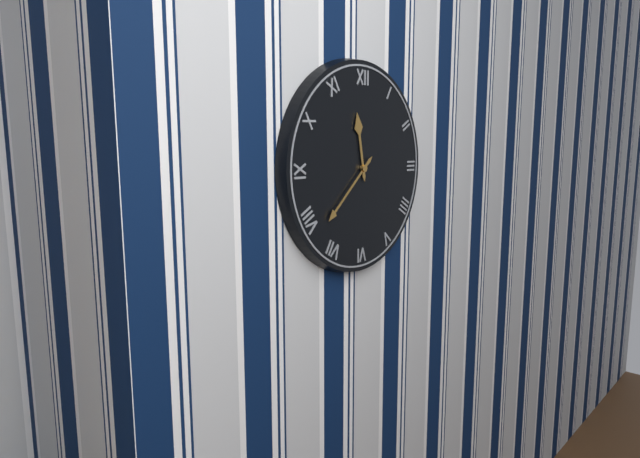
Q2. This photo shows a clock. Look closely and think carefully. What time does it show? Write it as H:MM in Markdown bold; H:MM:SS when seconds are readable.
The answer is **11:38**
